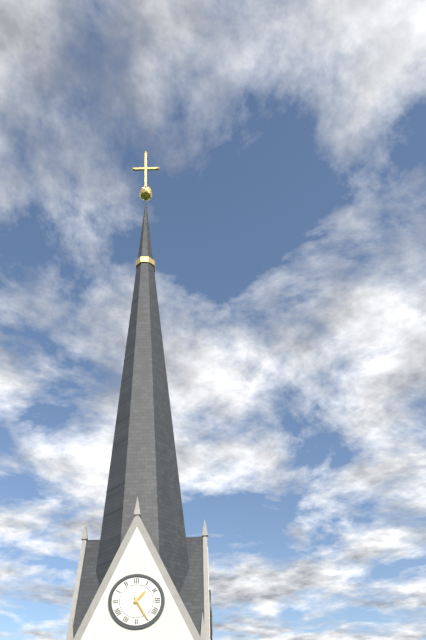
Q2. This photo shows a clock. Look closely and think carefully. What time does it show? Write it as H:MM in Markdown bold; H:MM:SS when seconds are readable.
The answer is **1:25**
